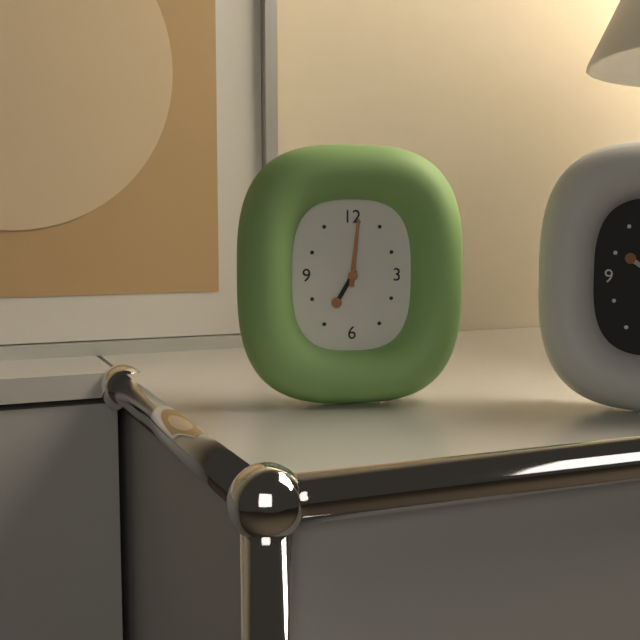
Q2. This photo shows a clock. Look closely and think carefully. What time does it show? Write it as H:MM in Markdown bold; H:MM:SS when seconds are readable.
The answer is **7:01**
